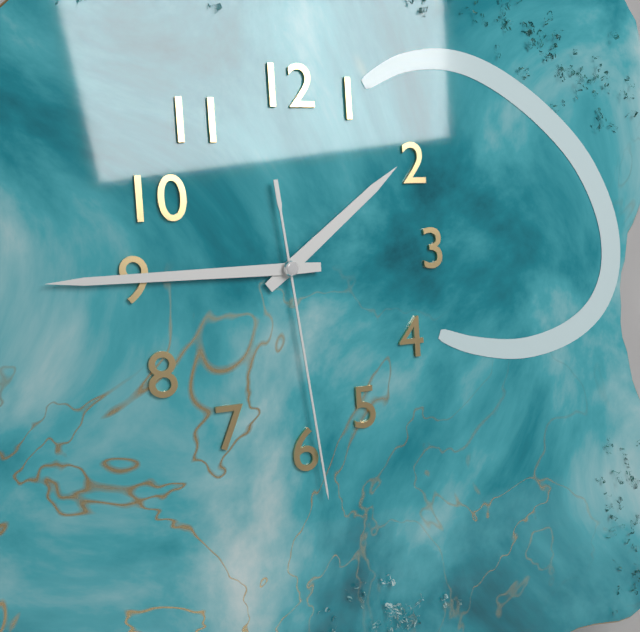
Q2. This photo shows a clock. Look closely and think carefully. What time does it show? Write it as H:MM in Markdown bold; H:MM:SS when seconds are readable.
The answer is **1:45:29**
